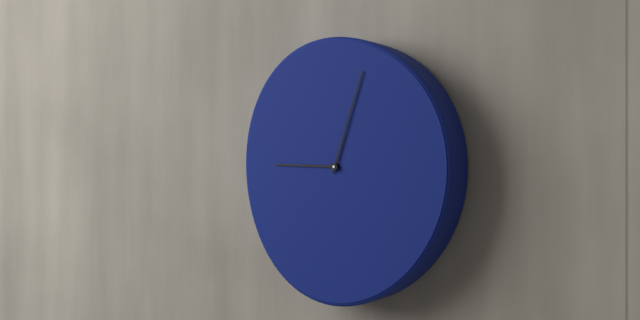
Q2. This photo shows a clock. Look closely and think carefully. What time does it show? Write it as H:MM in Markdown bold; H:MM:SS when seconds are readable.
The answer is **9:03**
